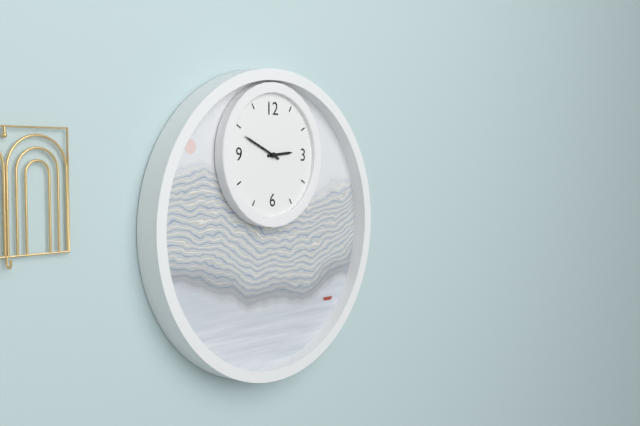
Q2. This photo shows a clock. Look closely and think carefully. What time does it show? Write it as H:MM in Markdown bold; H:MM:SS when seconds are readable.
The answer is **2:49**
